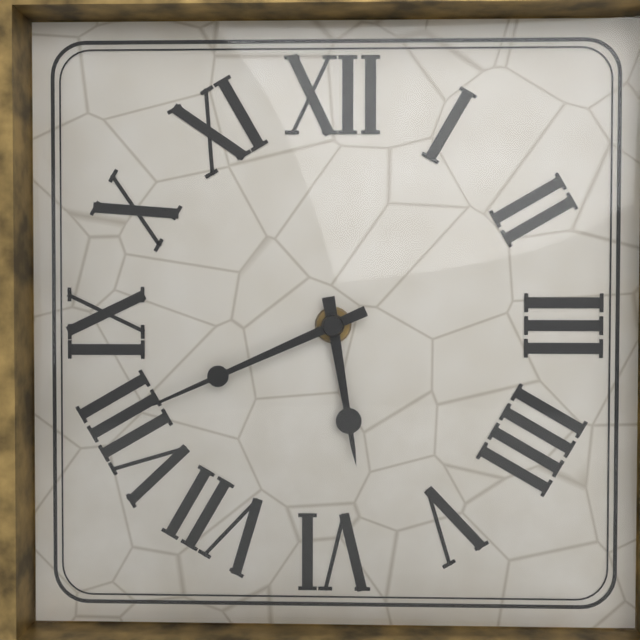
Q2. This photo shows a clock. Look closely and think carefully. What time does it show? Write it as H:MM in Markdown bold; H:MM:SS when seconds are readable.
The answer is **5:41**
